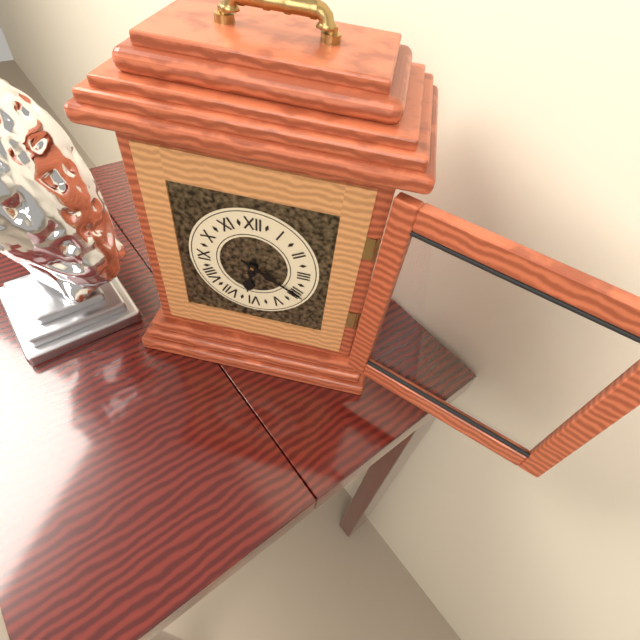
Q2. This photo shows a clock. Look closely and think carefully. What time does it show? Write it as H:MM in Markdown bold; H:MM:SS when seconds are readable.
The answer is **6:20**
